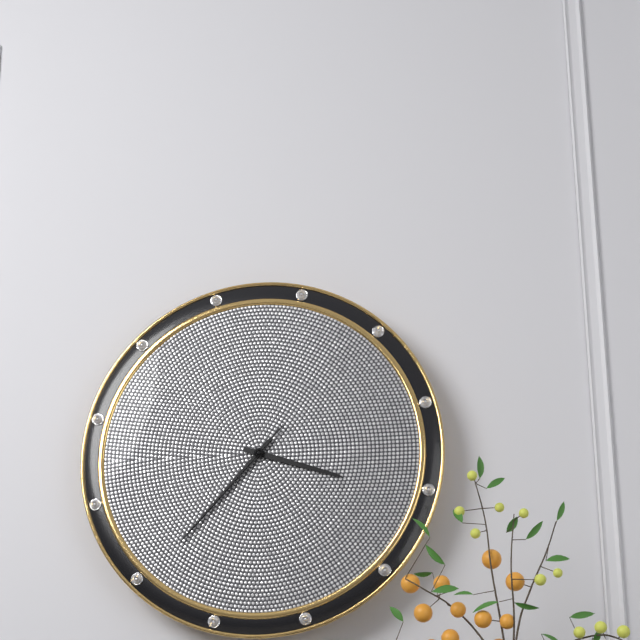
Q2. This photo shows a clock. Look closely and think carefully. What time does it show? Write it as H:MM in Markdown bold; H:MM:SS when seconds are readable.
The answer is **3:37:37**
